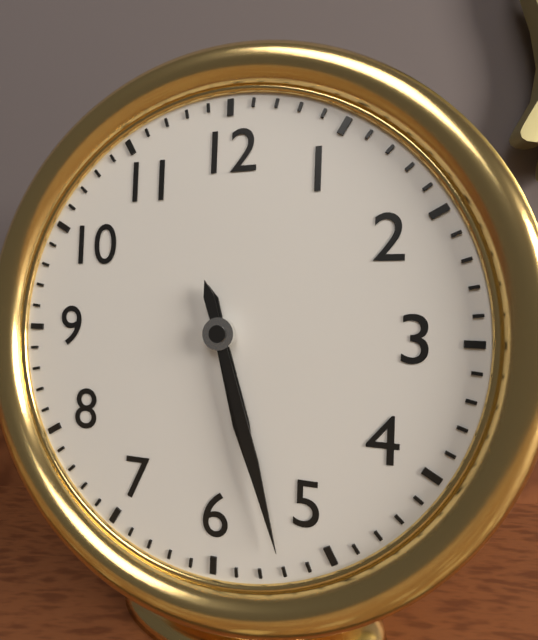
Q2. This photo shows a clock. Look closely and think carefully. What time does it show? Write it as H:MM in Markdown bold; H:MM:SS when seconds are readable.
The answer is **5:27**
